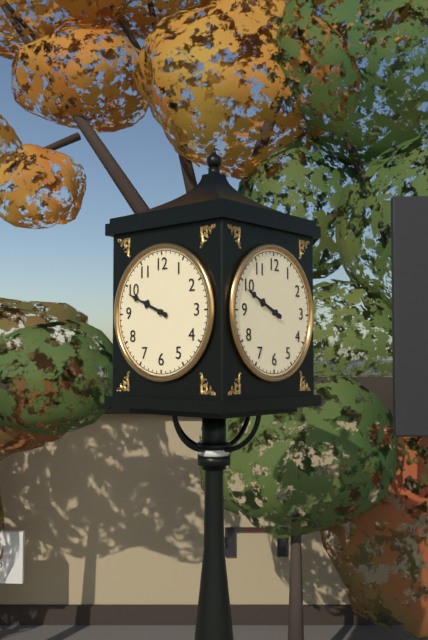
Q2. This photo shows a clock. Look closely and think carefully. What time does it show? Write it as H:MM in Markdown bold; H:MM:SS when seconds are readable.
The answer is **9:49**
